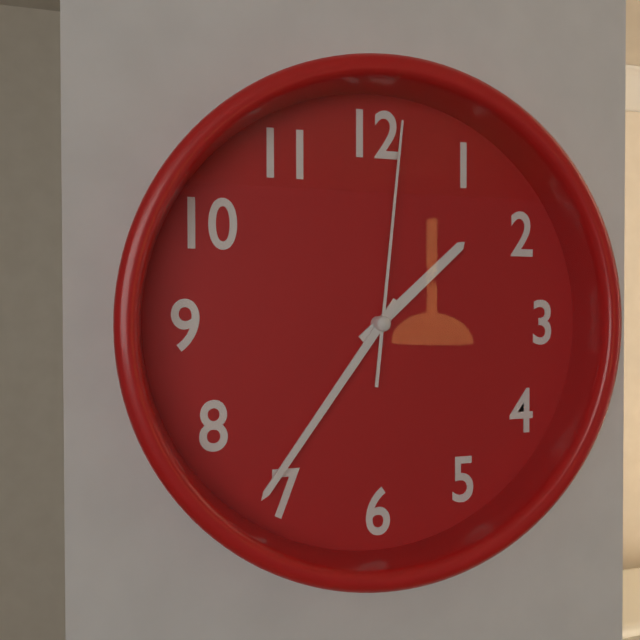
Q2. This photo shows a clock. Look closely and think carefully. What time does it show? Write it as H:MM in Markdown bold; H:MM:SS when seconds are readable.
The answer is **1:36:01**
